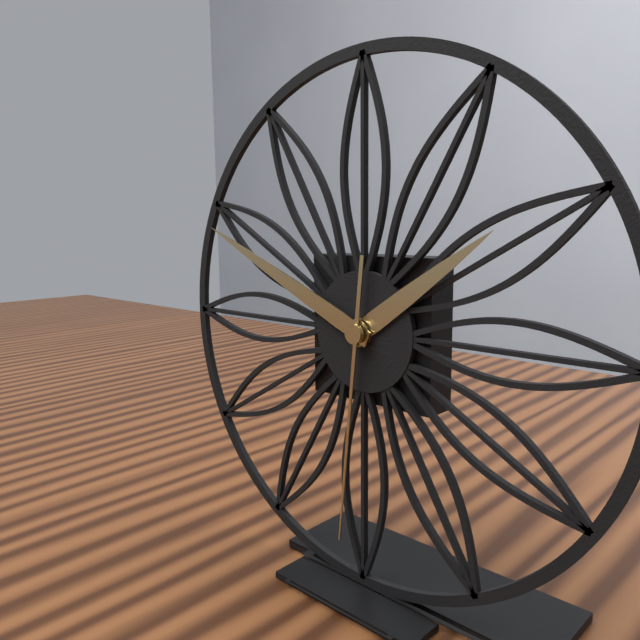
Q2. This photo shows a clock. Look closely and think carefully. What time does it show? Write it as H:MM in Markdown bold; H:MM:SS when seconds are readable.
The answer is **1:49:31**
